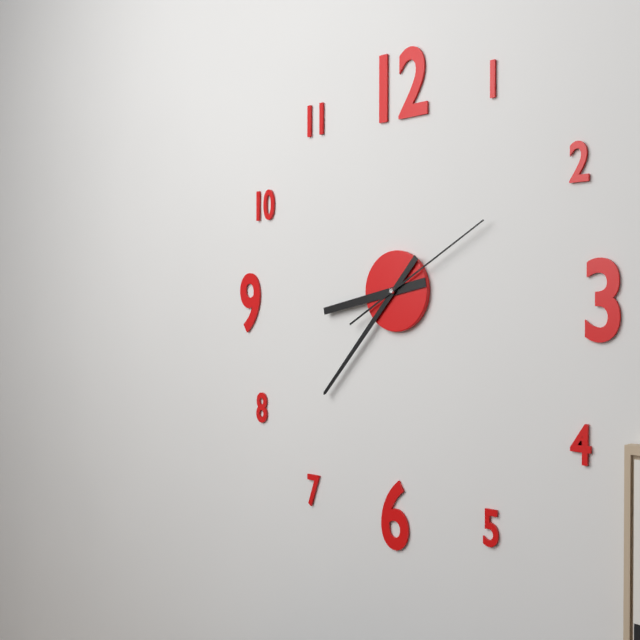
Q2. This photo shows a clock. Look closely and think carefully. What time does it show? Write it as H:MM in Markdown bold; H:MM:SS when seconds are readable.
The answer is **8:37:10**
